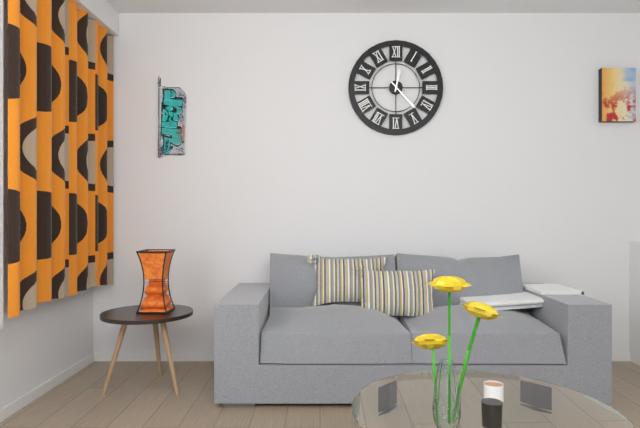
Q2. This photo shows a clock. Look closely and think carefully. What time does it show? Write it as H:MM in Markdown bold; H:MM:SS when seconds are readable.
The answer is **12:23**
